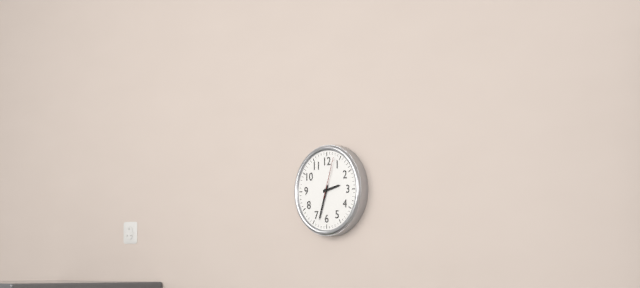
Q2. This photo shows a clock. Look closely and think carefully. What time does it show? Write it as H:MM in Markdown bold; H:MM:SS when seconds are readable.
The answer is **2:33**
